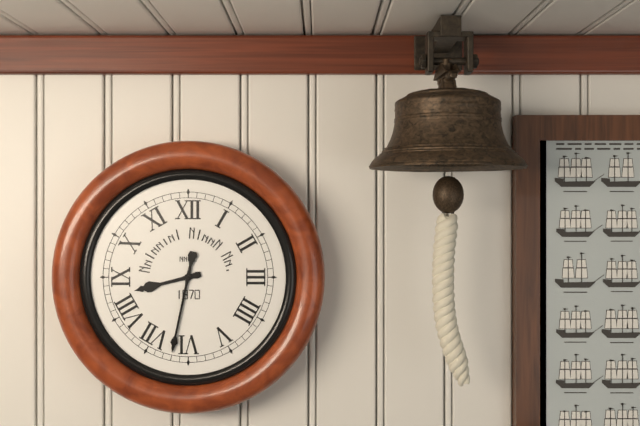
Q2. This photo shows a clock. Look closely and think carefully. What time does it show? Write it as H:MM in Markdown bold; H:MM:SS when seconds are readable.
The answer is **8:32**
